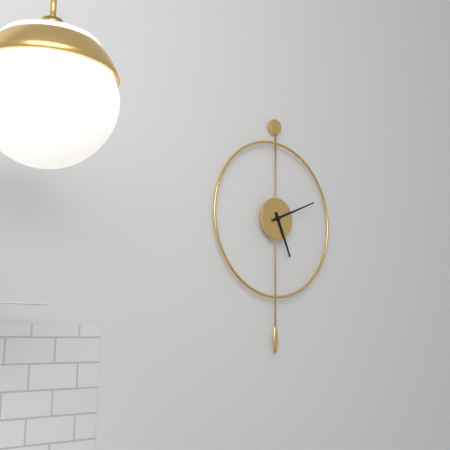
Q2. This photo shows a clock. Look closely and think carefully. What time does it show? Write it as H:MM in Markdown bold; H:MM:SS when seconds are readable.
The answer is **5:11**
